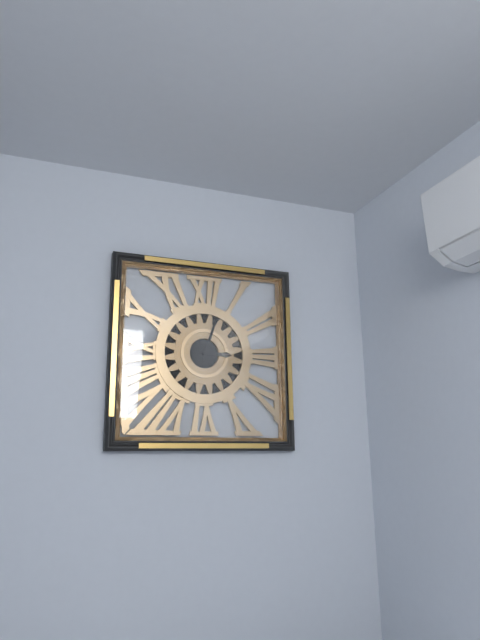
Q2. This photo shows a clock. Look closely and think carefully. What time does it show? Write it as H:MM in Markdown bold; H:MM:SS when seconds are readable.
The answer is **3:03**
